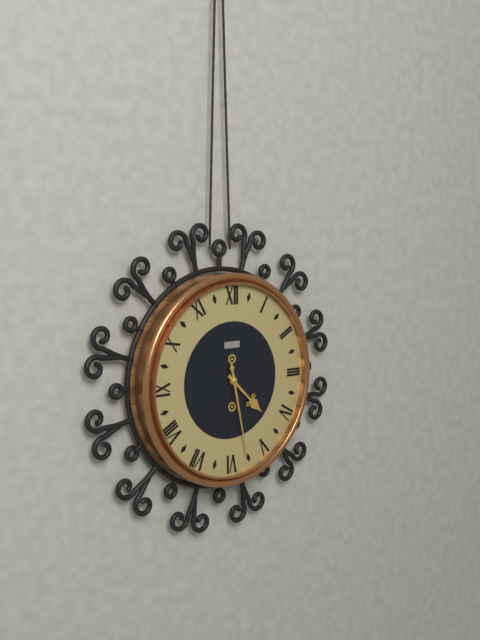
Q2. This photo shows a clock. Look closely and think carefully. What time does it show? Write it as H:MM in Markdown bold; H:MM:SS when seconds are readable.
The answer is **4:28**
